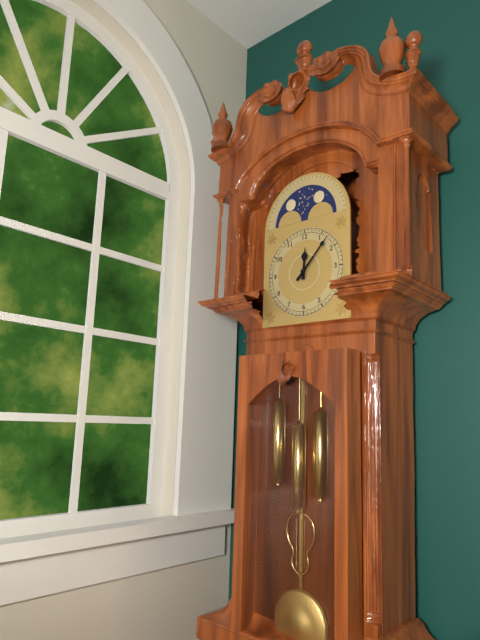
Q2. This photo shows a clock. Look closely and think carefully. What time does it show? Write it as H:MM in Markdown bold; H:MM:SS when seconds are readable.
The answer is **12:07**
